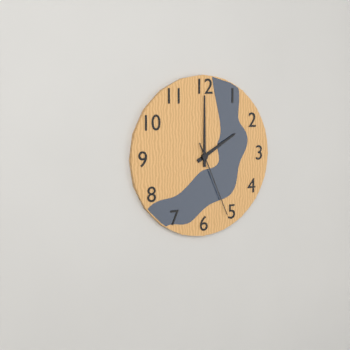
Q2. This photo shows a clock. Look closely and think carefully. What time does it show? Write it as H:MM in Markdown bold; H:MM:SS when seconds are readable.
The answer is **2:00:26**
